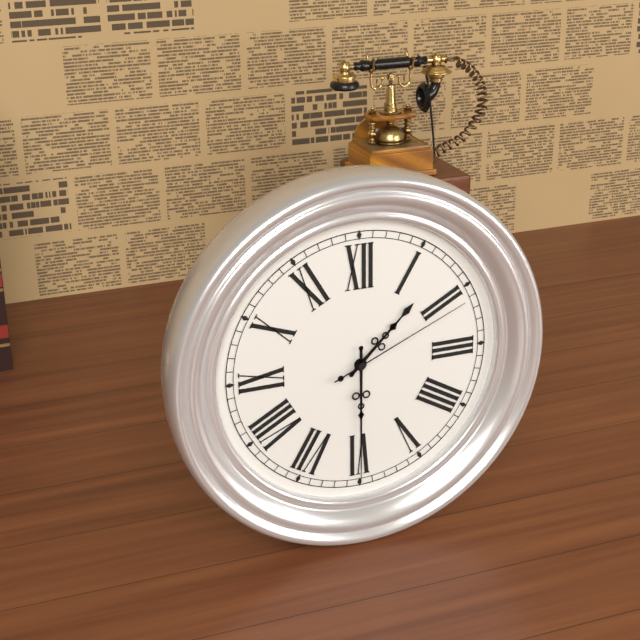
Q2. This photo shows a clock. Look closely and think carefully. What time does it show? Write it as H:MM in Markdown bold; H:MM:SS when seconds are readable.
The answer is **1:30:11**
